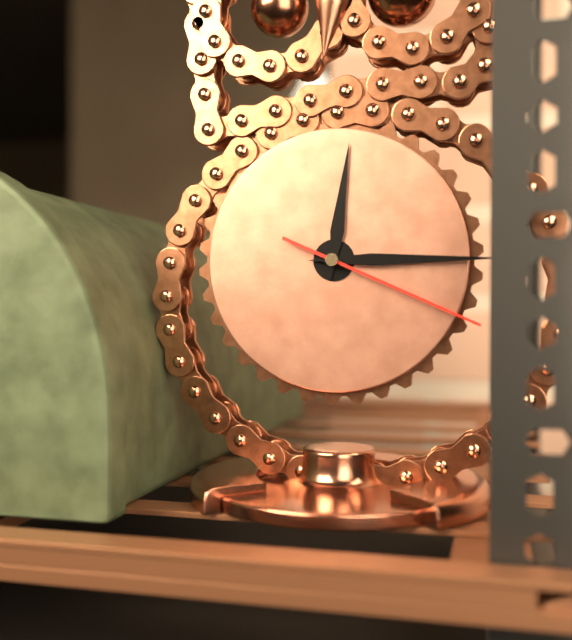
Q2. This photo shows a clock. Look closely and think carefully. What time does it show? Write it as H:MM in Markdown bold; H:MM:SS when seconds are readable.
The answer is **12:15:19**
